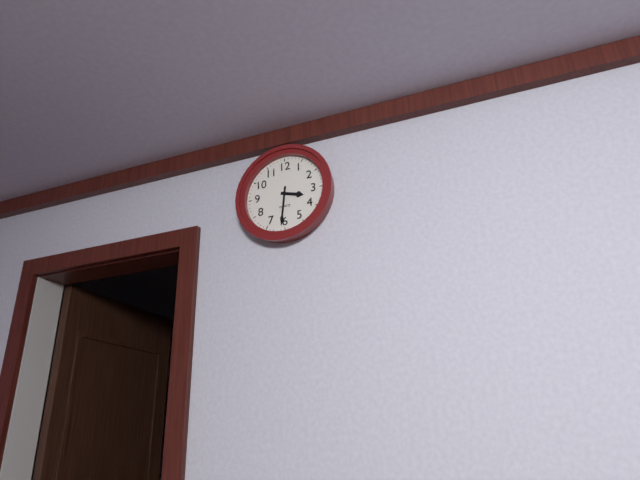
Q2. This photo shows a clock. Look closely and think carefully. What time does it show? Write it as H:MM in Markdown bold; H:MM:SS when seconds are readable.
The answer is **3:31**
